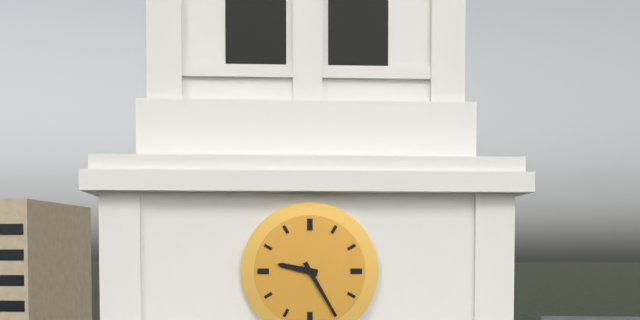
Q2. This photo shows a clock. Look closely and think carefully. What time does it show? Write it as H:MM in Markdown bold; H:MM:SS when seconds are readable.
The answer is **9:25**
